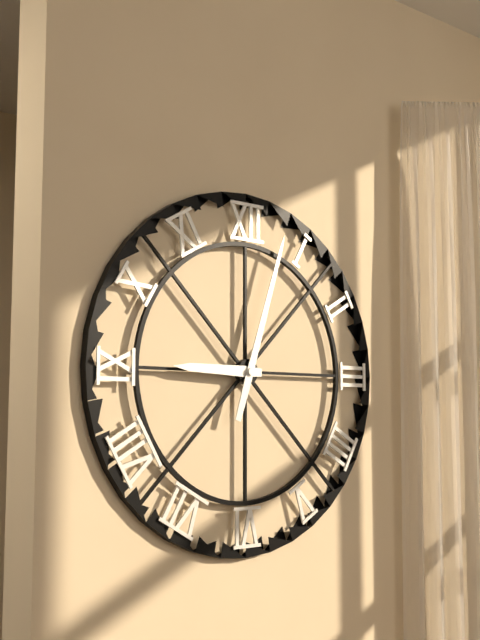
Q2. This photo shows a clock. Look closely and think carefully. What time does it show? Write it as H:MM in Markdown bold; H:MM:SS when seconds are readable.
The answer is **9:03**
